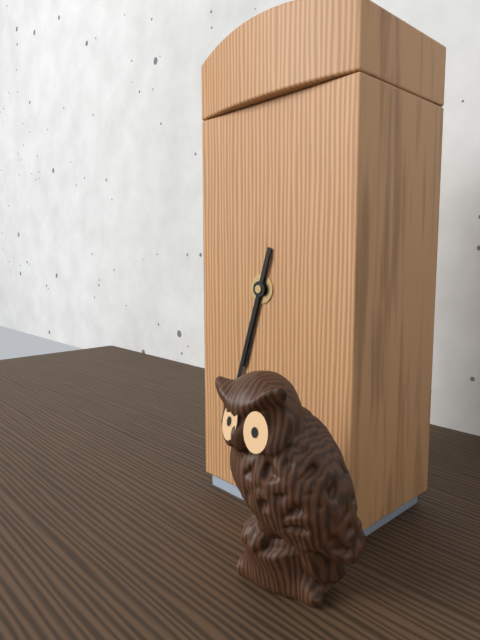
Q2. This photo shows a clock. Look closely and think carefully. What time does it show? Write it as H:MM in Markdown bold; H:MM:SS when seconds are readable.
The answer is **6:33**
